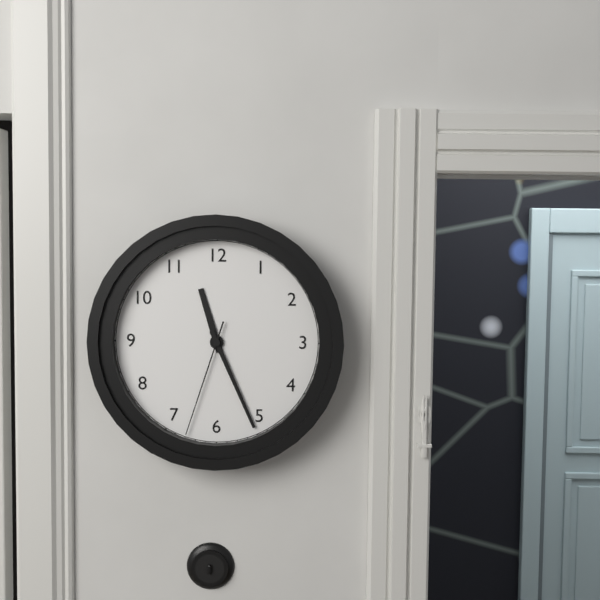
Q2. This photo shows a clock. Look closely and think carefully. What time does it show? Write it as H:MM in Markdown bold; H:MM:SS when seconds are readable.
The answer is **11:26:33**
